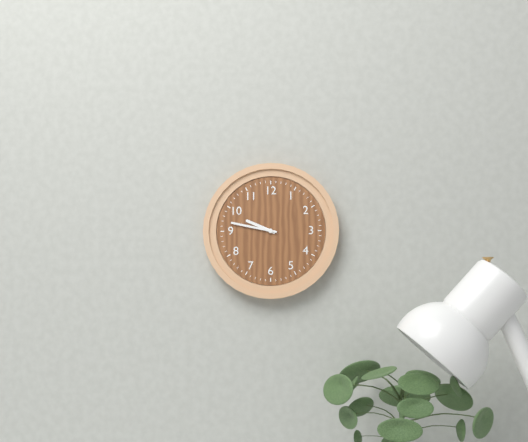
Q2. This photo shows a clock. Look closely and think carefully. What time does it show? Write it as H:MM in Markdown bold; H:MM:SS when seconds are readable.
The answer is **9:47**
